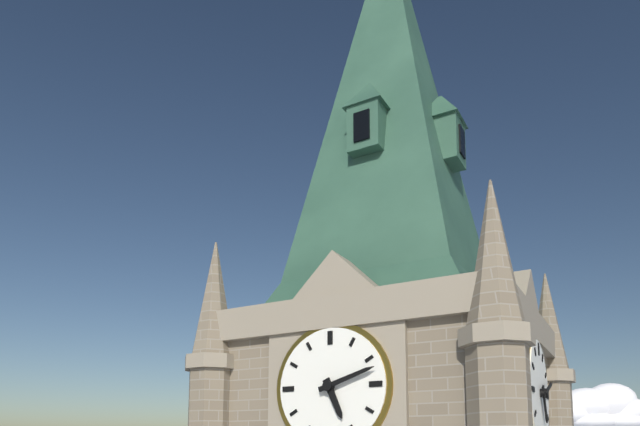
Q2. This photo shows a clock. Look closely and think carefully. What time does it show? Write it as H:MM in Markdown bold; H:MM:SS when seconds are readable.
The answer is **5:12**
